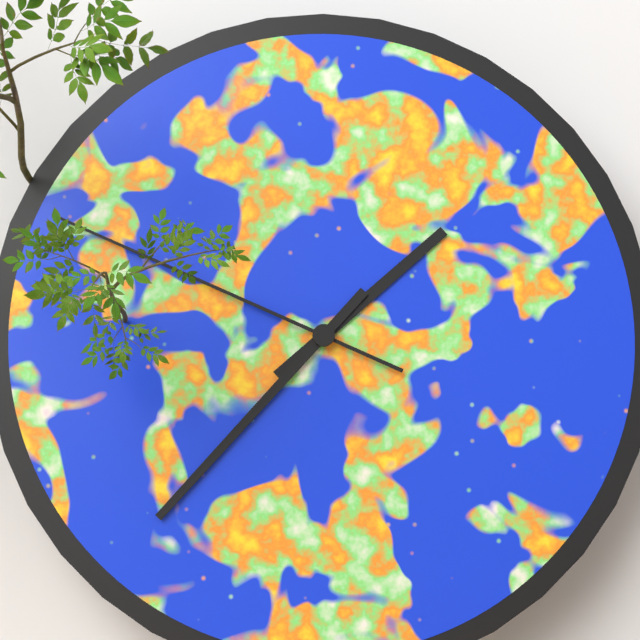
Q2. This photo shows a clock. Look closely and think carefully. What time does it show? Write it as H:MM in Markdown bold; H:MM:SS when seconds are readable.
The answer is **1:37:49**
